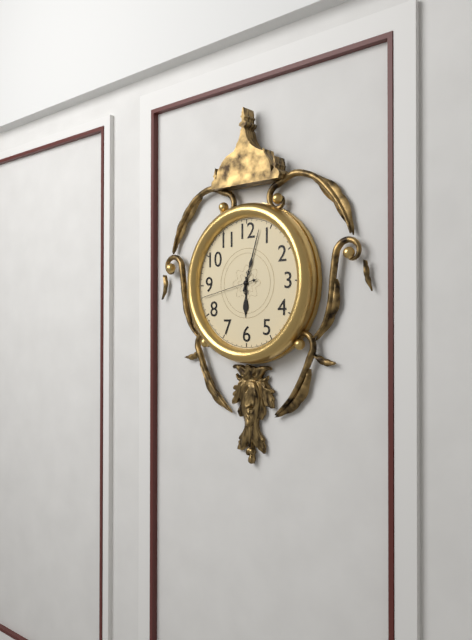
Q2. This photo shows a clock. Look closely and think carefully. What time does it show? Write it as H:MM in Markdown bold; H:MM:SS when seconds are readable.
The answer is **6:03:43**
